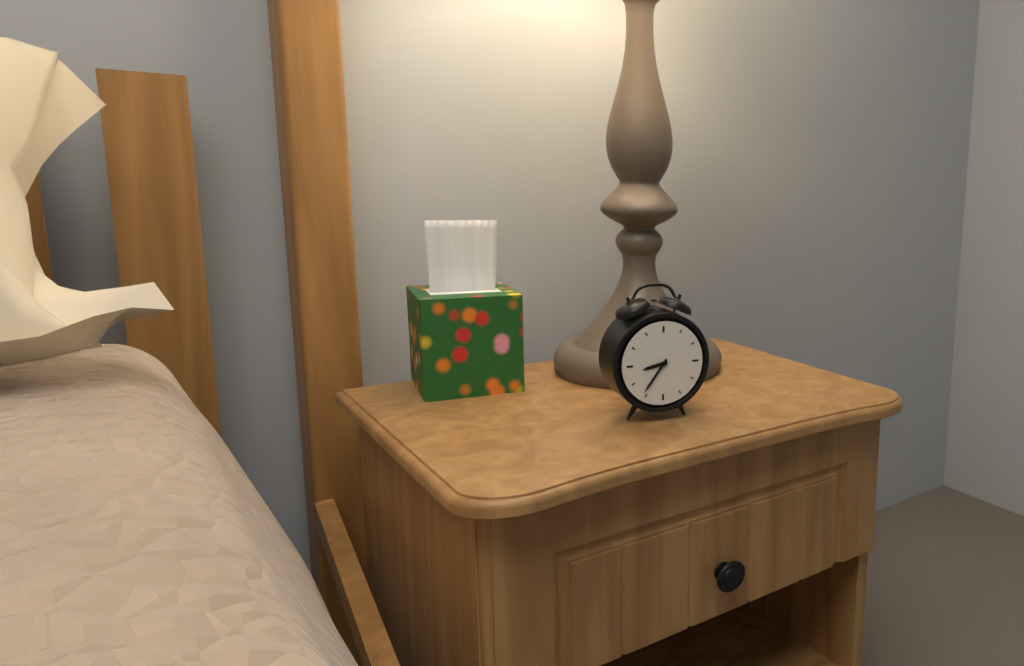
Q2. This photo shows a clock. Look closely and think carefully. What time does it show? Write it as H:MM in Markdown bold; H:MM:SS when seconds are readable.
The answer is **8:36**
